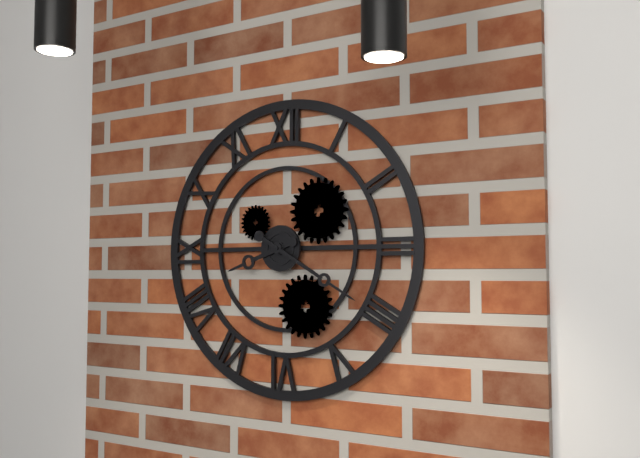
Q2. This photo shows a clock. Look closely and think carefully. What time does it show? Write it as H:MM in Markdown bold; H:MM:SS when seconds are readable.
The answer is **8:20**
